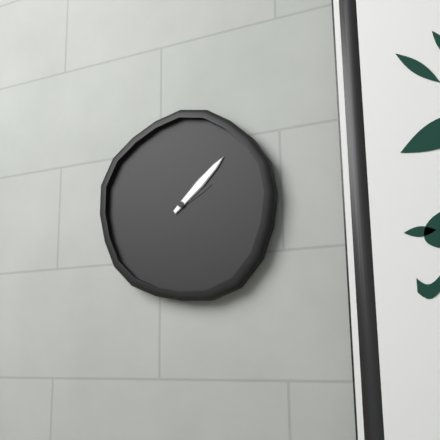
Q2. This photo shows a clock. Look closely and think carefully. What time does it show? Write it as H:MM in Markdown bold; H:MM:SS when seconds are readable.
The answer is **2:08**
